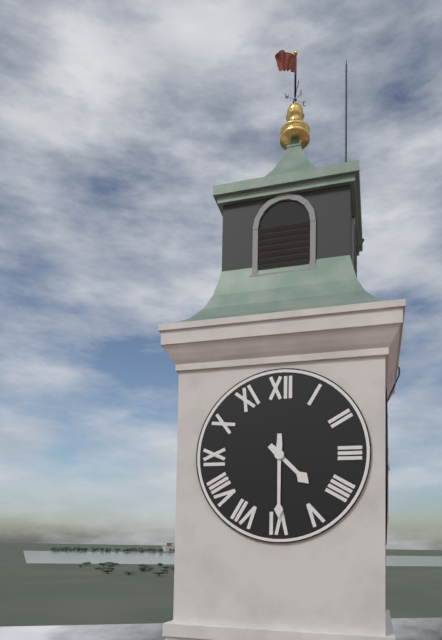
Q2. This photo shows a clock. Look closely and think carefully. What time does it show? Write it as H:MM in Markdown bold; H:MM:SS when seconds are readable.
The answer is **4:30**
